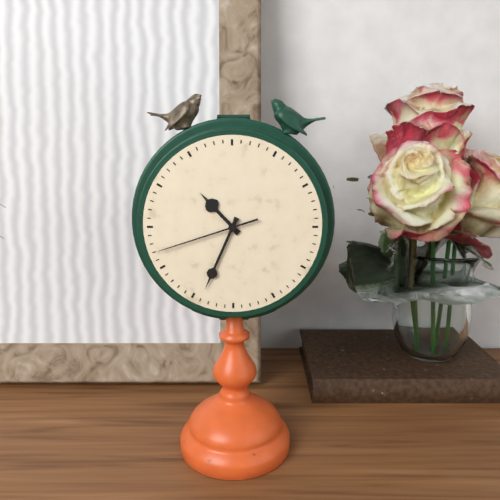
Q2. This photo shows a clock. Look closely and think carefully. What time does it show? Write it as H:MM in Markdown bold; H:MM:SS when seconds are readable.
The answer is **10:34:42**
